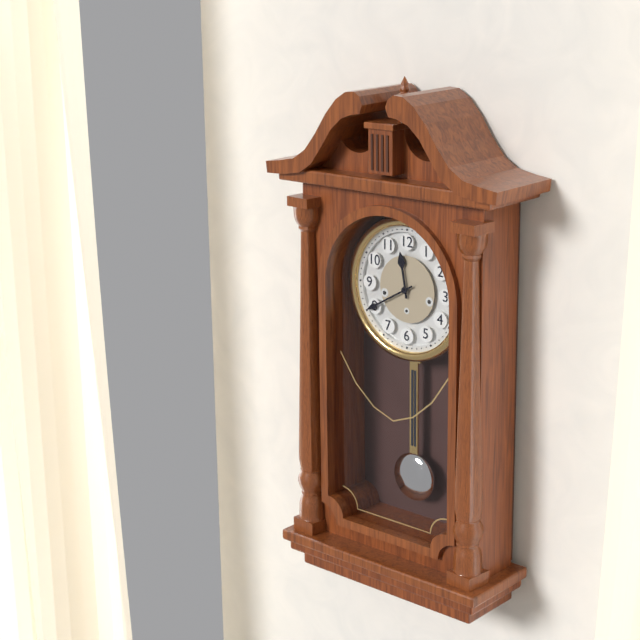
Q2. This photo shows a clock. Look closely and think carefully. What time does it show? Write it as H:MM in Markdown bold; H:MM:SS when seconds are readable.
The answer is **11:40**
